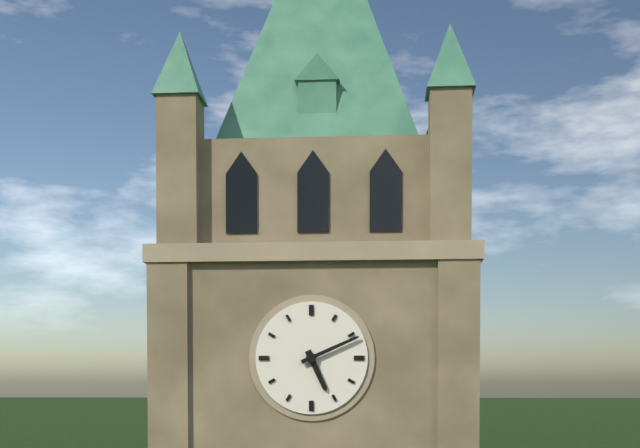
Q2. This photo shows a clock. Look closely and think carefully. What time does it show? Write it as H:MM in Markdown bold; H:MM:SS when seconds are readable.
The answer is **5:11**
